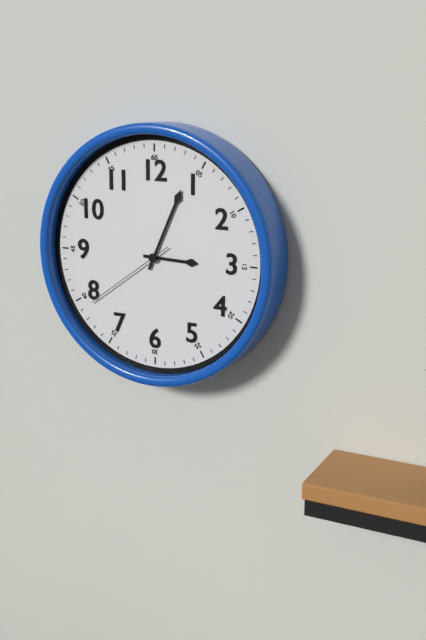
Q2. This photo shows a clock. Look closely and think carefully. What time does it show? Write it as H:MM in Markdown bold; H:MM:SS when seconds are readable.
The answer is **3:04:39**
